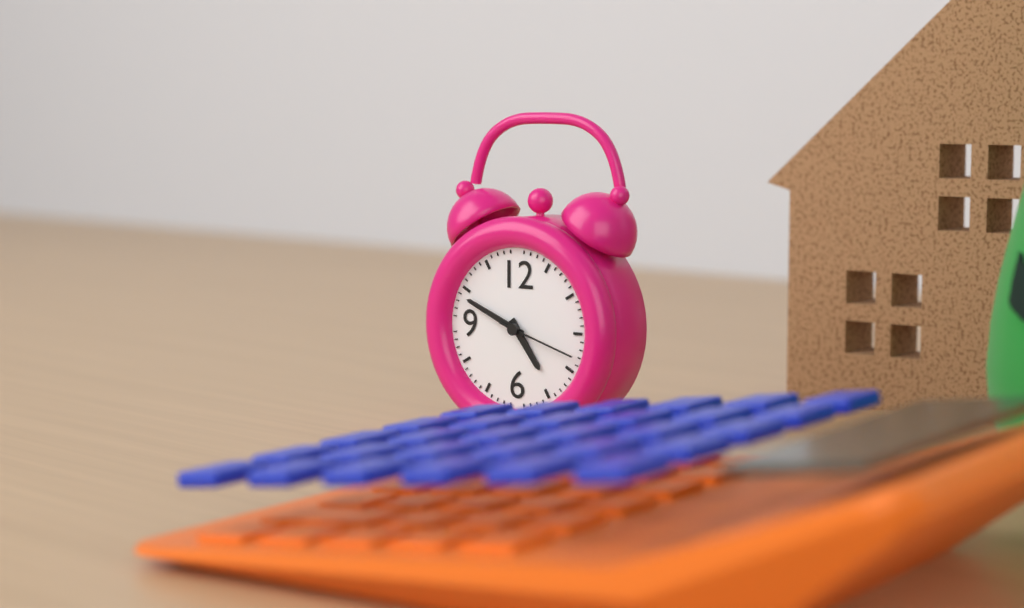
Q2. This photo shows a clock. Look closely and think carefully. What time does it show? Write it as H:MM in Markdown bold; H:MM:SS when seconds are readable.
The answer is **4:49:18**
